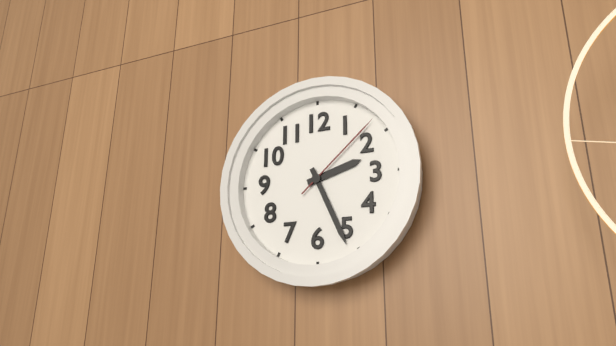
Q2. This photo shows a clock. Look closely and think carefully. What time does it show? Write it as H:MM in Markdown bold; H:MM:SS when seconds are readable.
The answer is **2:26:08**
